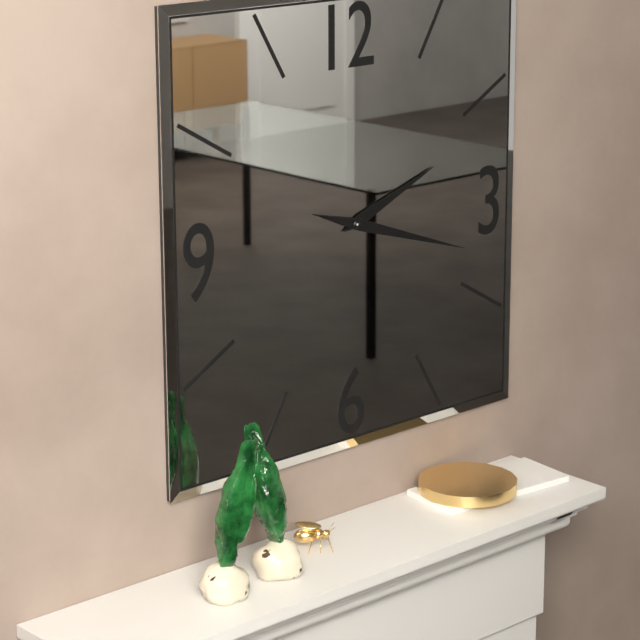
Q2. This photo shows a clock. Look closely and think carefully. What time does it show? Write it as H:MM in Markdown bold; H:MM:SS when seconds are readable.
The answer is **2:18**
